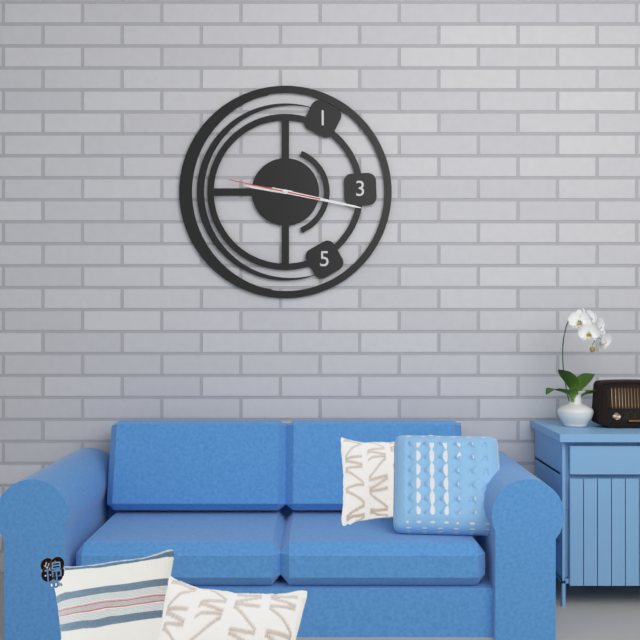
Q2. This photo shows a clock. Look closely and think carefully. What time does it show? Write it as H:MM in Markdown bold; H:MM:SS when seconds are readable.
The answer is **9:17:47**
